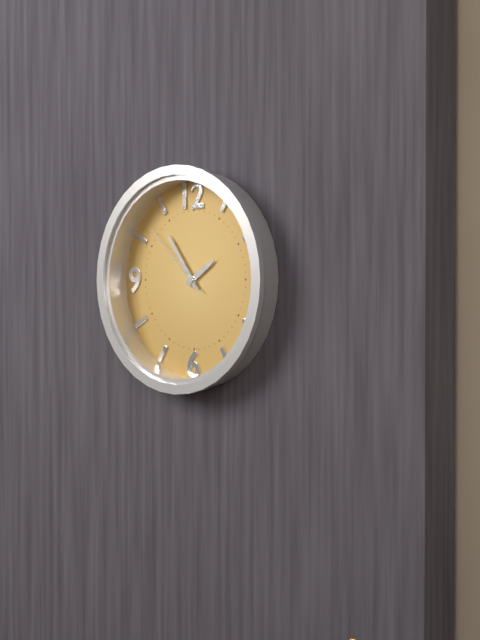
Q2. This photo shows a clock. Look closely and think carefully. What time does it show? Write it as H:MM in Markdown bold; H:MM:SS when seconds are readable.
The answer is **1:54:52**
